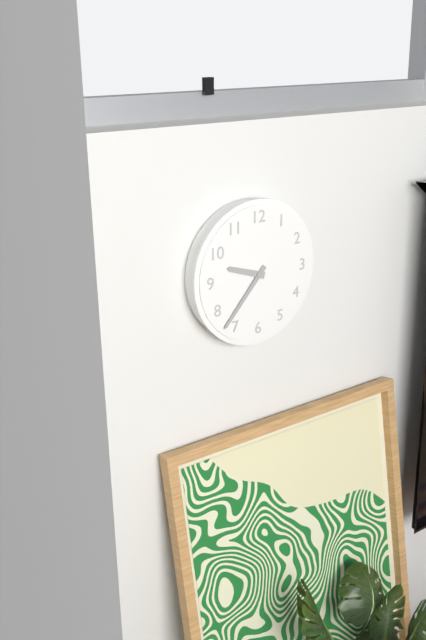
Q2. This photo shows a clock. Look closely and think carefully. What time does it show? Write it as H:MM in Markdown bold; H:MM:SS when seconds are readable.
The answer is **9:37**
